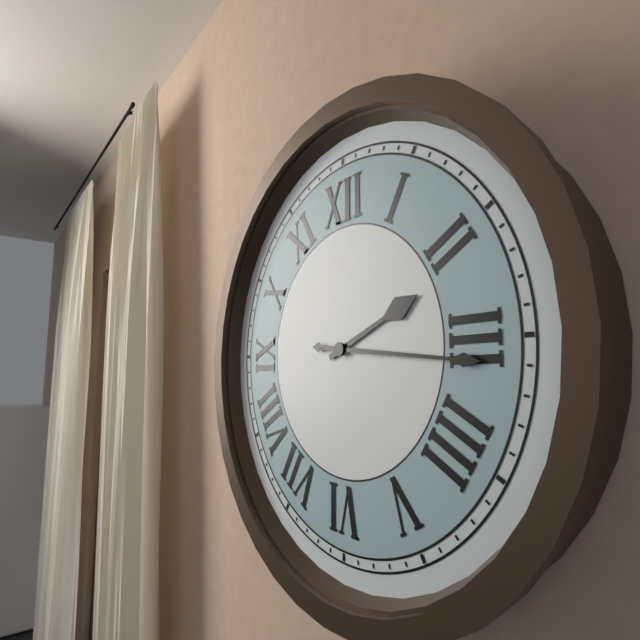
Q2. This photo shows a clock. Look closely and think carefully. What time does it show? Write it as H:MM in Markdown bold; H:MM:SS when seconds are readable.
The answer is **2:16**
